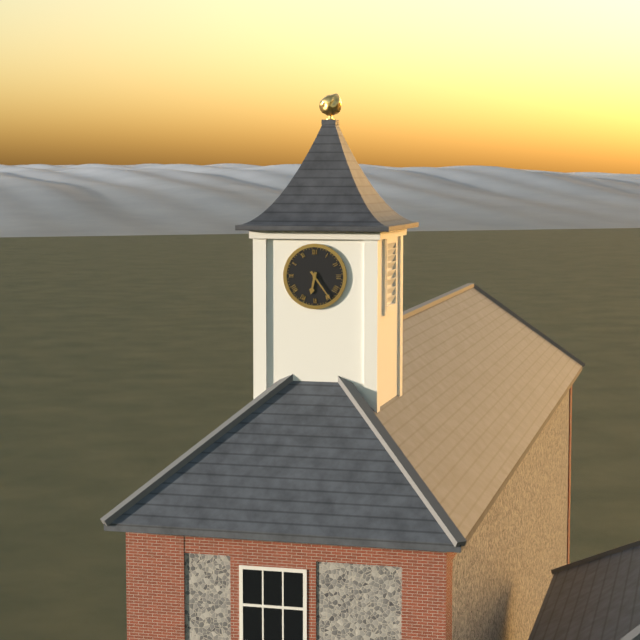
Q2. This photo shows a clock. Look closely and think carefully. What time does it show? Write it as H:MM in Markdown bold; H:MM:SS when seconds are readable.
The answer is **6:24**
